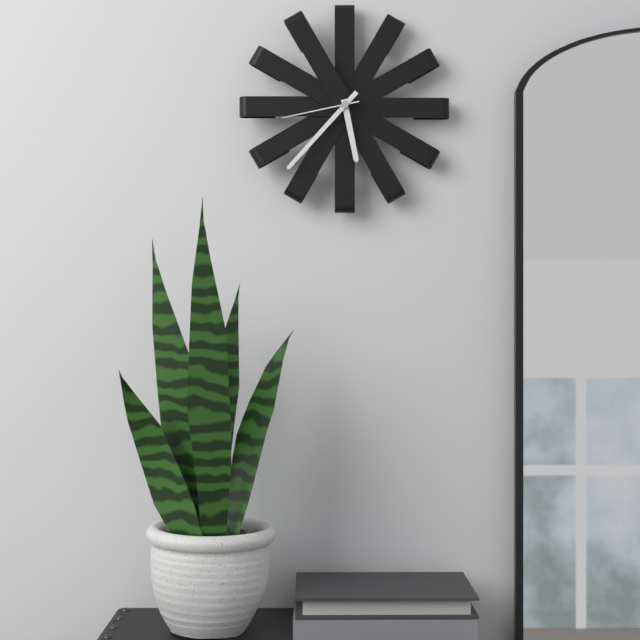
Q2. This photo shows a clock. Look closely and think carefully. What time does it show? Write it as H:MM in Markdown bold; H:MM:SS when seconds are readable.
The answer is **5:37:43**
